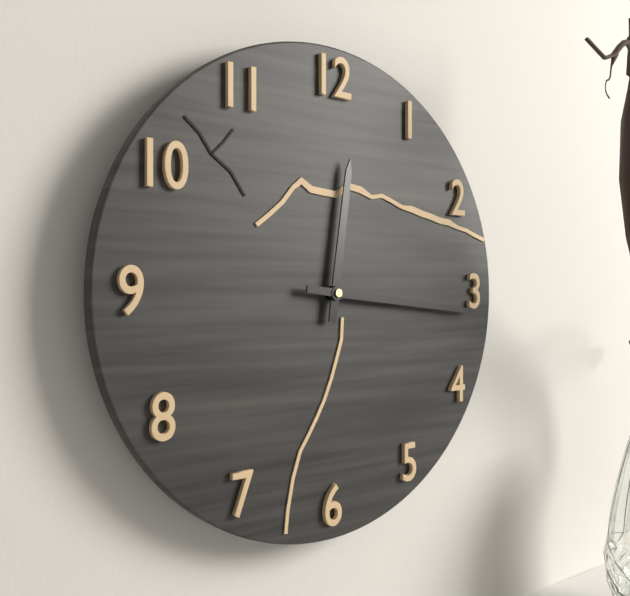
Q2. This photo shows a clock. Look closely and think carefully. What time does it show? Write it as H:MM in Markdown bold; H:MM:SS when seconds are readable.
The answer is **12:16**
